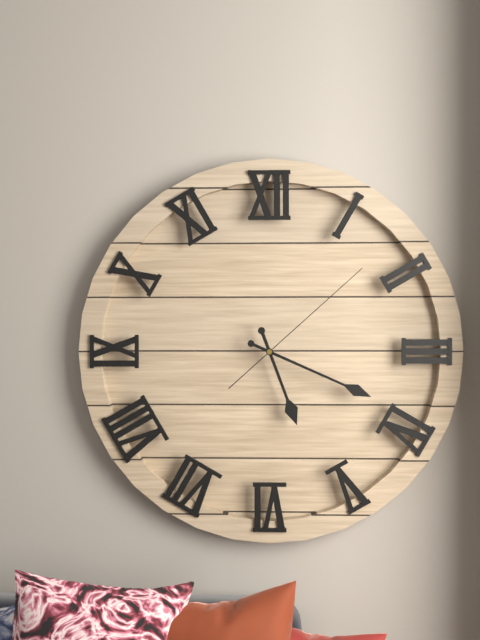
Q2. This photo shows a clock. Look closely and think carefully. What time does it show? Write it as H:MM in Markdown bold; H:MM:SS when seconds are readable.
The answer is **5:19:08**
